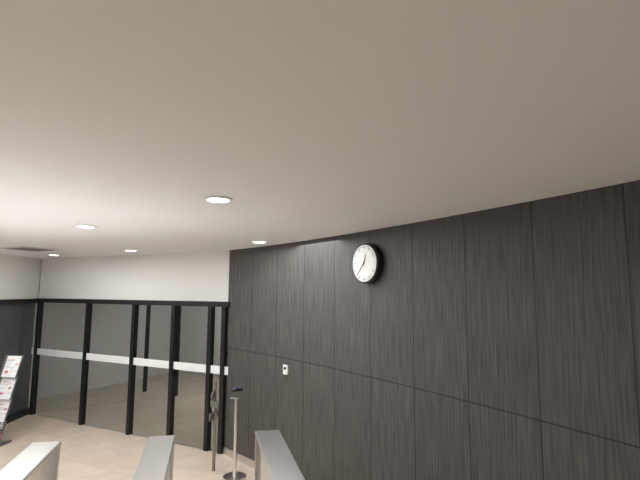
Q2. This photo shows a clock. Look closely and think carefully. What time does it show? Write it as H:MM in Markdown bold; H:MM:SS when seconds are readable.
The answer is **12:37**
